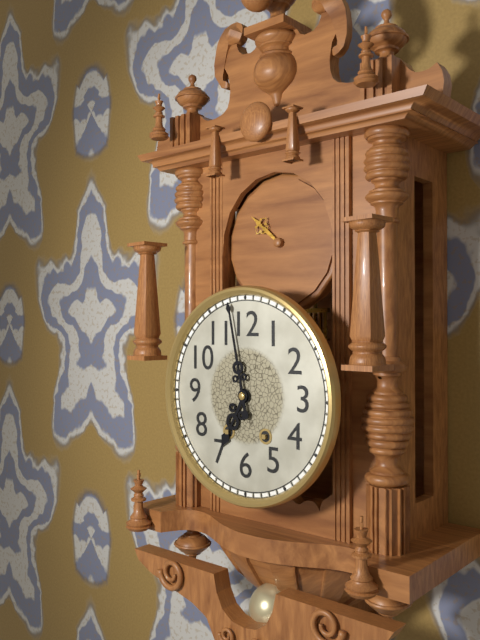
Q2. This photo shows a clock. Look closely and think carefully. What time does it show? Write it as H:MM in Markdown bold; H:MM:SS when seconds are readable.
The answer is **6:58**
